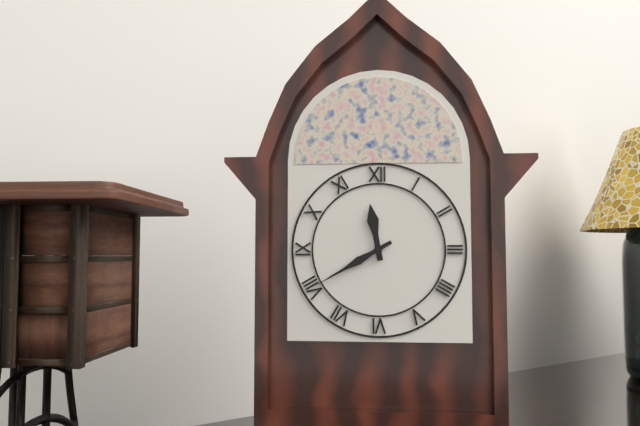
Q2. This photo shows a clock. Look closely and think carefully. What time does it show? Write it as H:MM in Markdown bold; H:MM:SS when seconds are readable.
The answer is **11:40**
